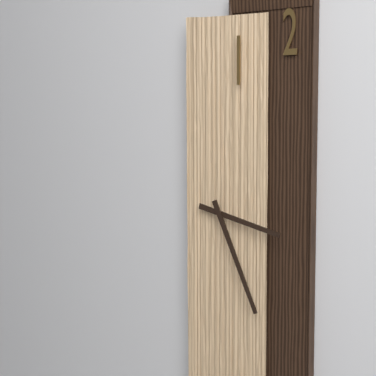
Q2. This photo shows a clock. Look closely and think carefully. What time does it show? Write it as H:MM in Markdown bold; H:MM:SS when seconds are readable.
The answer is **3:26**
